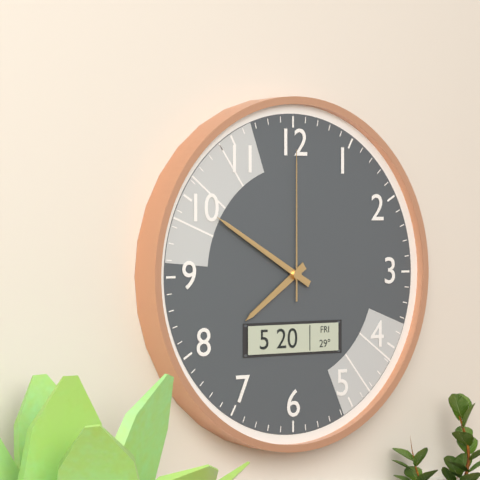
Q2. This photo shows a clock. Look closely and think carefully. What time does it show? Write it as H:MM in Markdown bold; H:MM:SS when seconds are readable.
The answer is **7:50:00**
